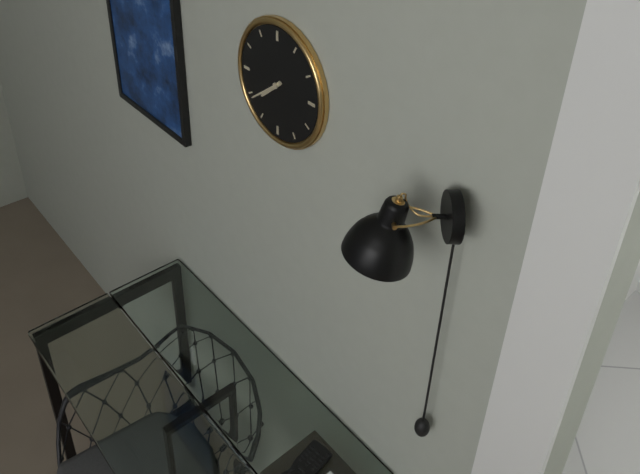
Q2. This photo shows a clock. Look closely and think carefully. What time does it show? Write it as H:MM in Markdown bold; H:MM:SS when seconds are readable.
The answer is **7:39**
